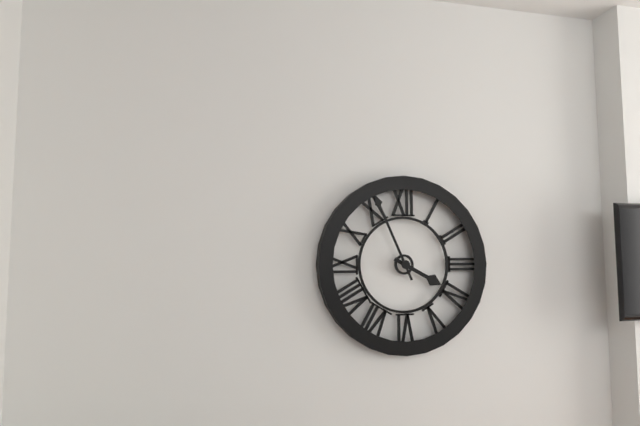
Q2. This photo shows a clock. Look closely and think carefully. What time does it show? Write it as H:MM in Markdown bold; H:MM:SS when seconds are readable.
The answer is **3:56**
